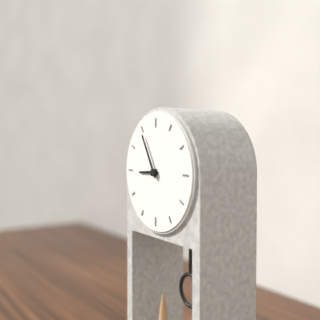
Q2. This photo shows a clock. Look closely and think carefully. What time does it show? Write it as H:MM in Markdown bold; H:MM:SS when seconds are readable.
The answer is **8:55**
